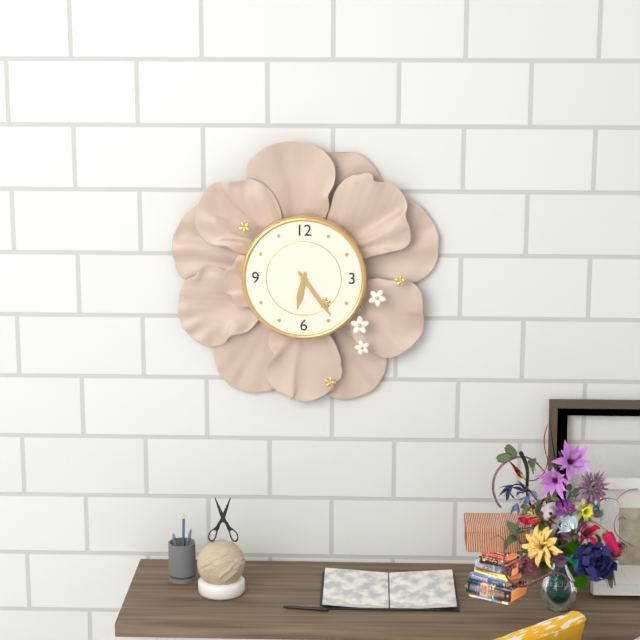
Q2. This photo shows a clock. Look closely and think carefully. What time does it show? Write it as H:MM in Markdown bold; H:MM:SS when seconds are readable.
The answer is **6:24**
